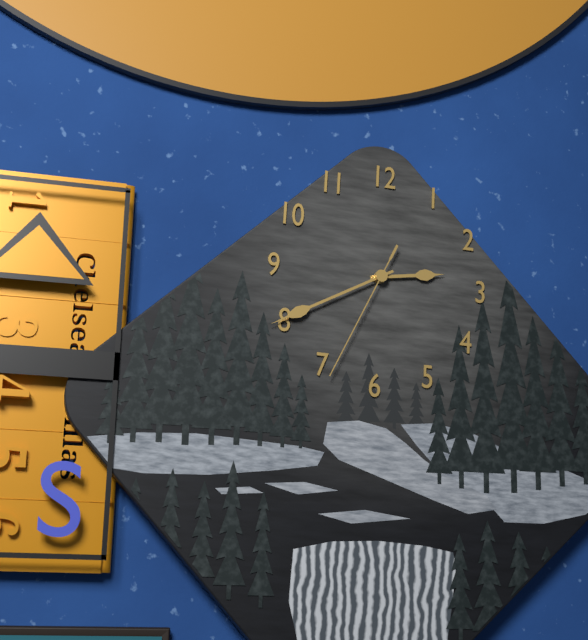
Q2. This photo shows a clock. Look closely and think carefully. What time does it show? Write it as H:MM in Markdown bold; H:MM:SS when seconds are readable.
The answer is **2:40:34**
